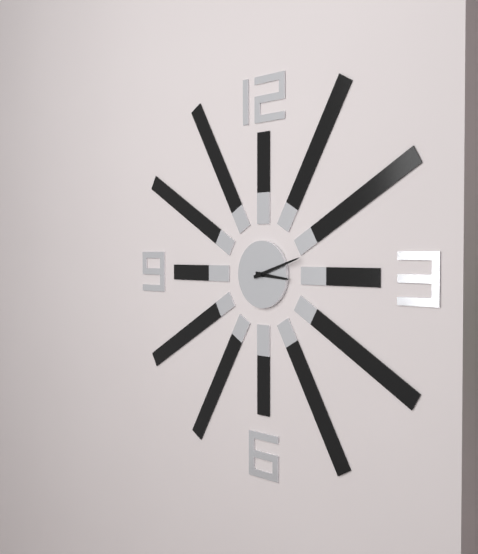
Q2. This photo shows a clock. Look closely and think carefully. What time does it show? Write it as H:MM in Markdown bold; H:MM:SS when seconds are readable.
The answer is **3:12**
